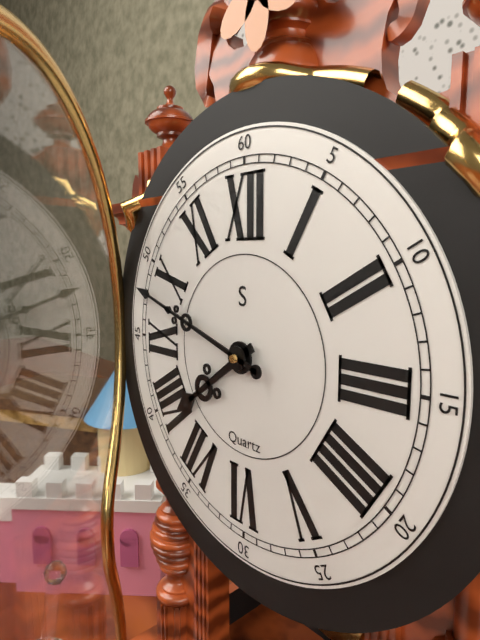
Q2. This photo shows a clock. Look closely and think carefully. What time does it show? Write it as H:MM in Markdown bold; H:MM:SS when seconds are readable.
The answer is **7:48**
